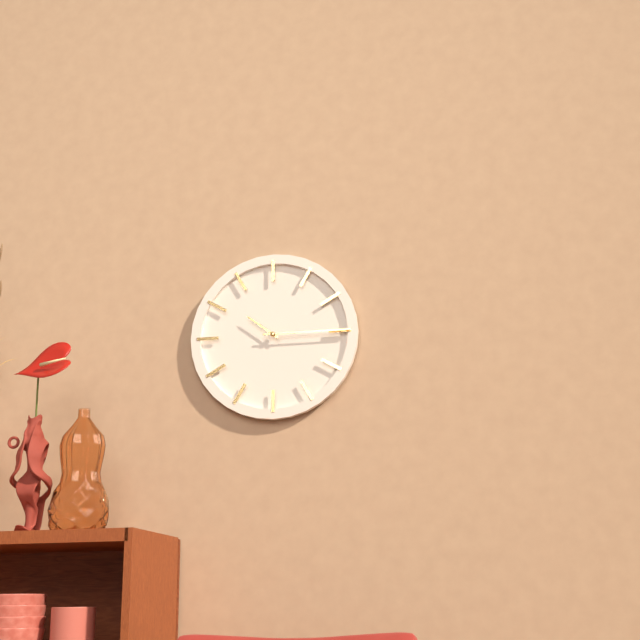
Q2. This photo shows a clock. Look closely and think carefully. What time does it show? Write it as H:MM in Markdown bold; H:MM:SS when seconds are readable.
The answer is **10:15**
